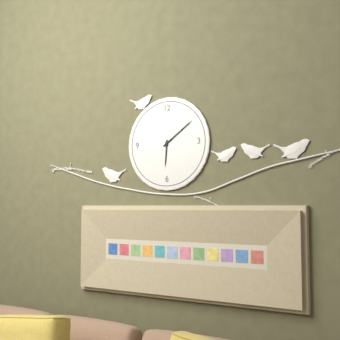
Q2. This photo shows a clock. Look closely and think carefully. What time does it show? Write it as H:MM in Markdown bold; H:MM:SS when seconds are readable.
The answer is **6:09**
